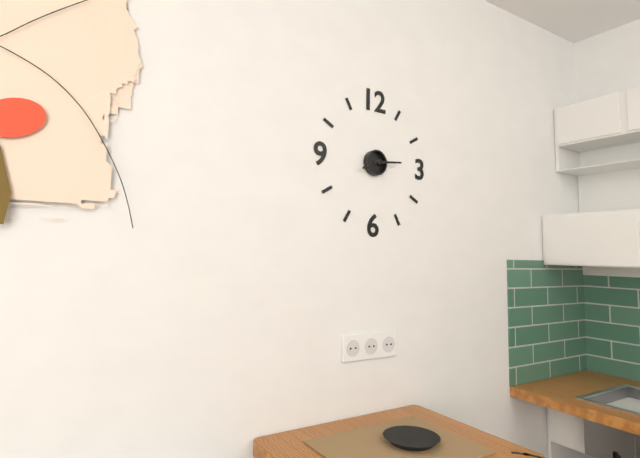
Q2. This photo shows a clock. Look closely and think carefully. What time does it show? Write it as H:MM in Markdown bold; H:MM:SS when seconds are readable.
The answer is **8:14**
